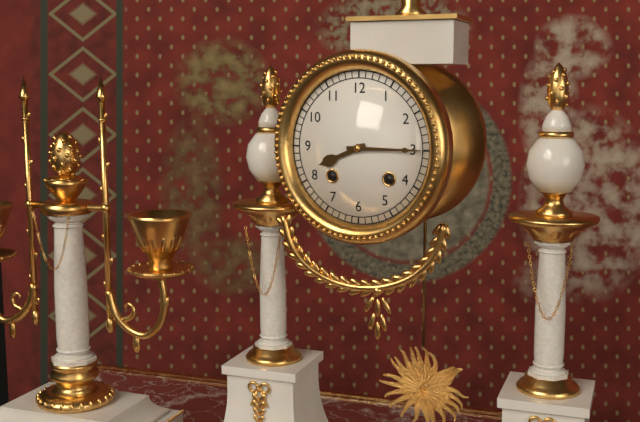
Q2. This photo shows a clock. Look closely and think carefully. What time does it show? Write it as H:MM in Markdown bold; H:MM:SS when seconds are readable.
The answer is **8:15**
